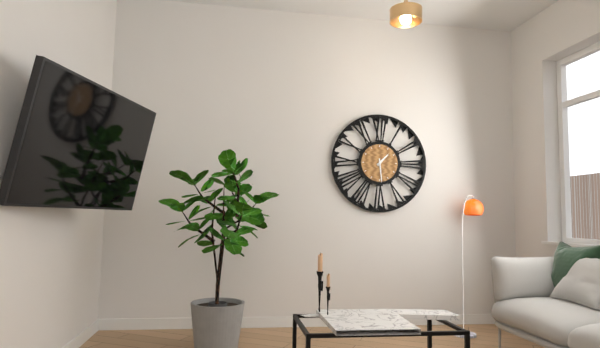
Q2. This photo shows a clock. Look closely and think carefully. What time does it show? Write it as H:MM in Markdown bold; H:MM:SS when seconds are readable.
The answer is **1:29**
